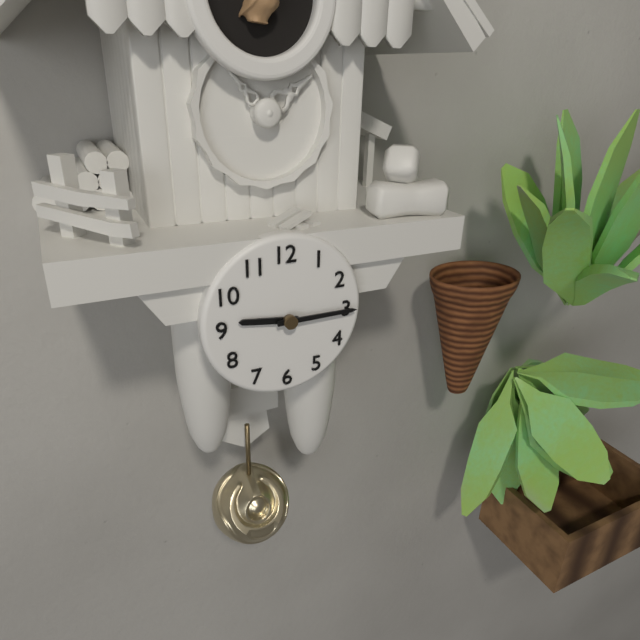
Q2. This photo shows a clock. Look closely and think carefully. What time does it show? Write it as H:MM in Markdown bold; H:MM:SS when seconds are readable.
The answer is **9:15**
